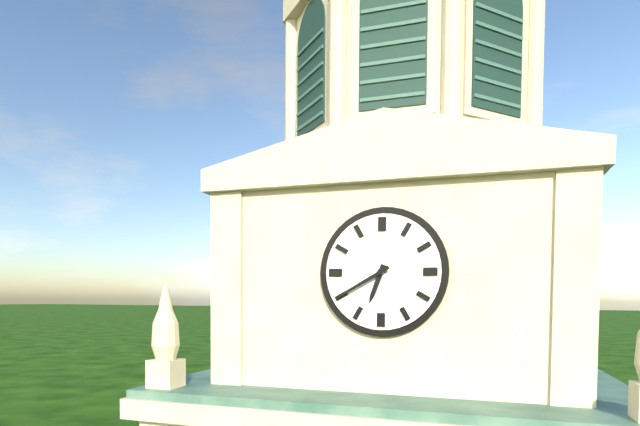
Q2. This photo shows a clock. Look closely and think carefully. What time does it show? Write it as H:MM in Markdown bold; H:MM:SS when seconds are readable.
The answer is **6:40**
